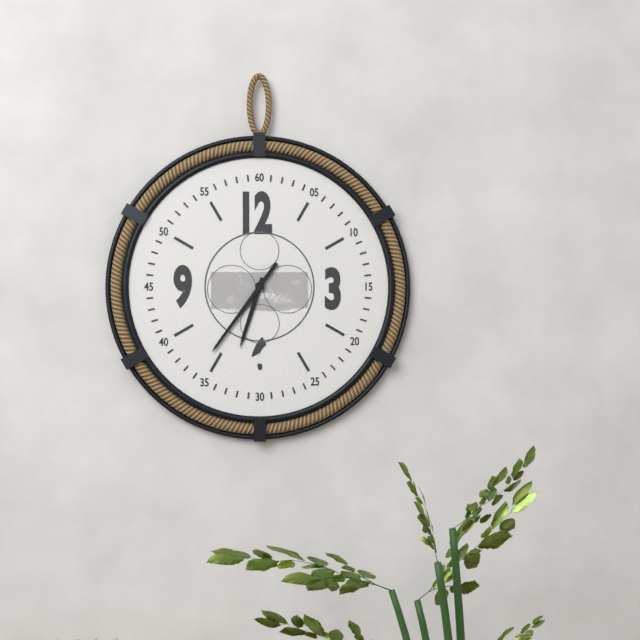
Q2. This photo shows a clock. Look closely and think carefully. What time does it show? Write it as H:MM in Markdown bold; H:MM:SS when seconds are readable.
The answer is **6:36**
